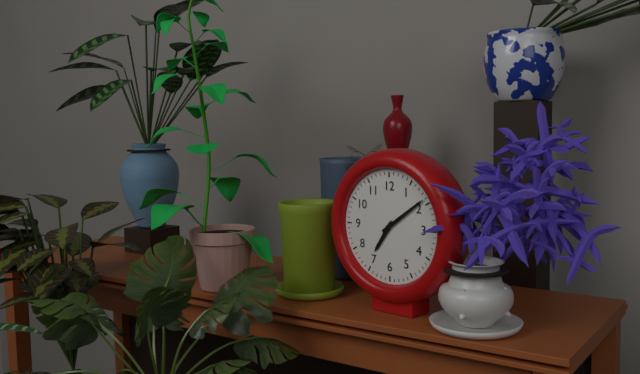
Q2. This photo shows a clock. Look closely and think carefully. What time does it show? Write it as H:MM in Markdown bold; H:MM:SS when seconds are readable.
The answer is **7:09**
